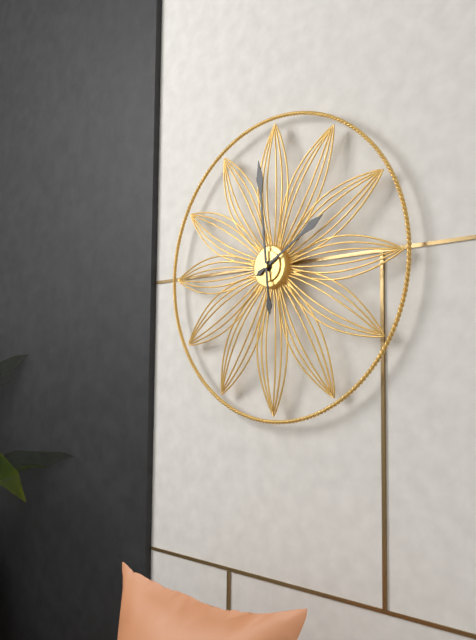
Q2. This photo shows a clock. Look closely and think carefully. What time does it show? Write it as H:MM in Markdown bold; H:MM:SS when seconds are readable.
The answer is **1:59**
